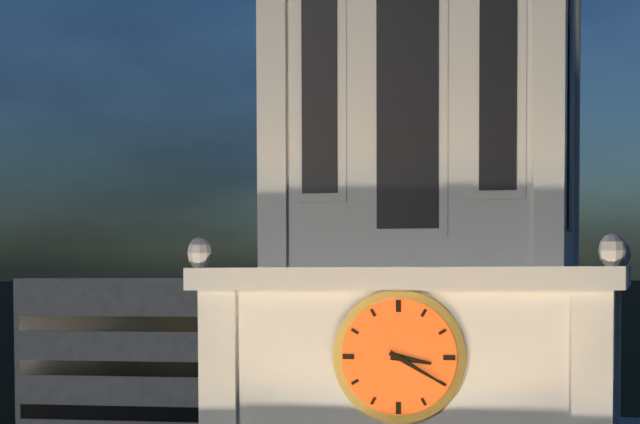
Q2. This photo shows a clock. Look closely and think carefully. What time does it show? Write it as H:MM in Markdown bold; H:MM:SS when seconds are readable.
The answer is **3:20**
